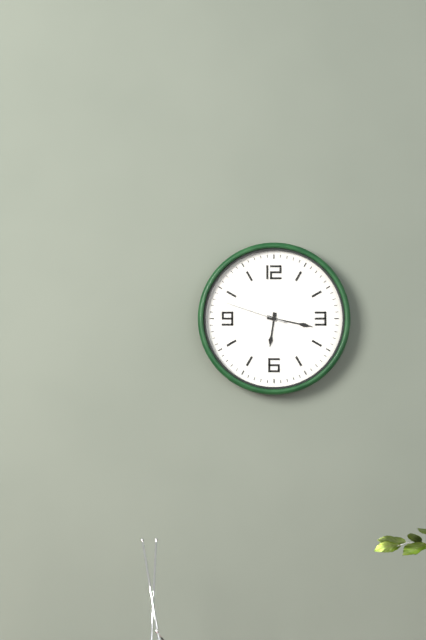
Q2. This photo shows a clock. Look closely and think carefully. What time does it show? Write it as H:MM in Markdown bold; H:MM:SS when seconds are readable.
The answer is **6:17:48**
